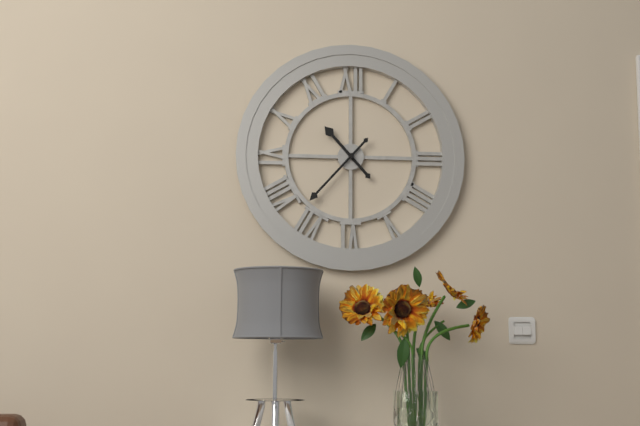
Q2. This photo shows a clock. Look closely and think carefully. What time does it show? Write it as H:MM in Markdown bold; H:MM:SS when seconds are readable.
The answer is **10:37**
